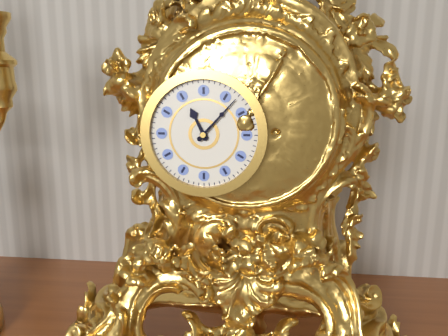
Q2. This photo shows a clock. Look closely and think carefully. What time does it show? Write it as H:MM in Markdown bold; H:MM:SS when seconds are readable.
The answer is **11:07**
